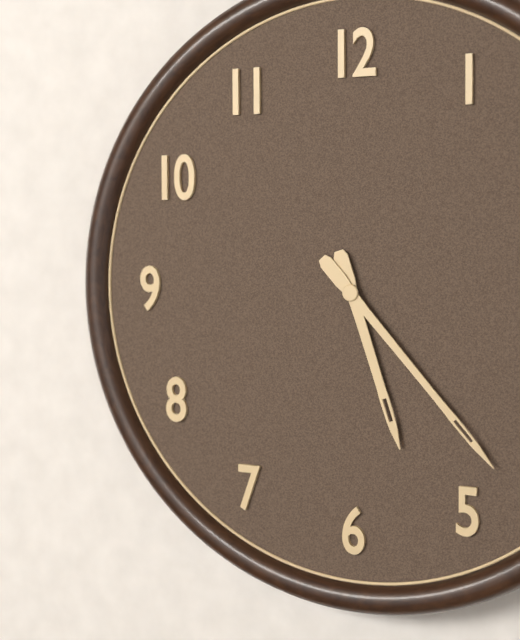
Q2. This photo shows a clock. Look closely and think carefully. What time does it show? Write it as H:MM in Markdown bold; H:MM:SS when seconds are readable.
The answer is **5:23**
